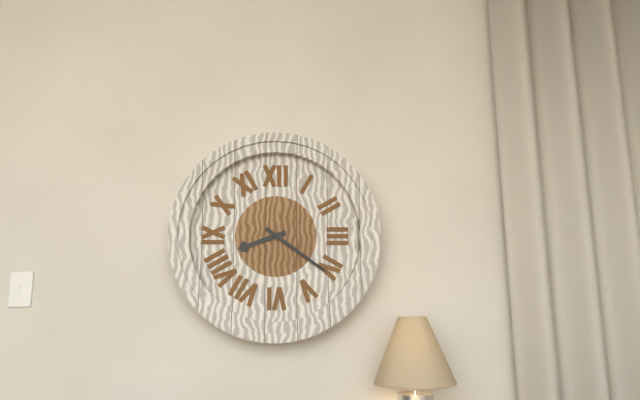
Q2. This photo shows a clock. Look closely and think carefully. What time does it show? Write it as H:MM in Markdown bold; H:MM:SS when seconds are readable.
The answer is **8:21**
